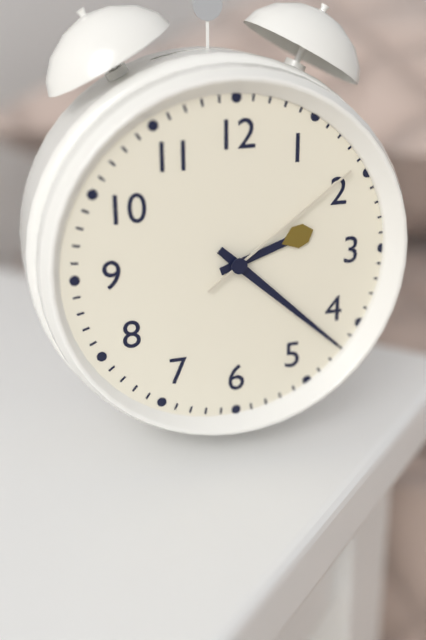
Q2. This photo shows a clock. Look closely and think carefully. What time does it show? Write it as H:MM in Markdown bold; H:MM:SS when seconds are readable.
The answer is **2:22:09**
